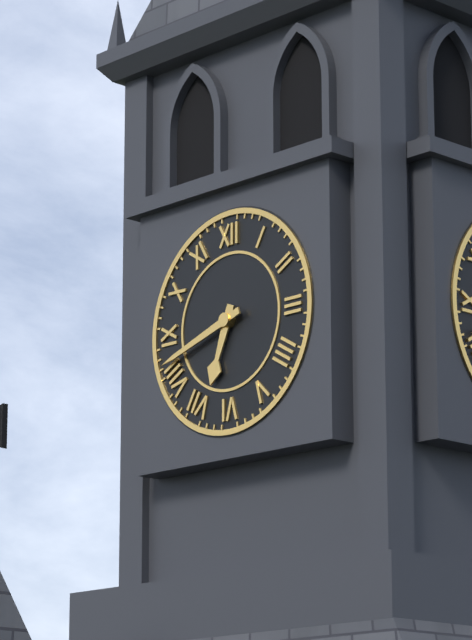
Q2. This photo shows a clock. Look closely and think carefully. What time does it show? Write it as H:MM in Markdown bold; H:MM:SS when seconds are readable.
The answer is **6:42**
